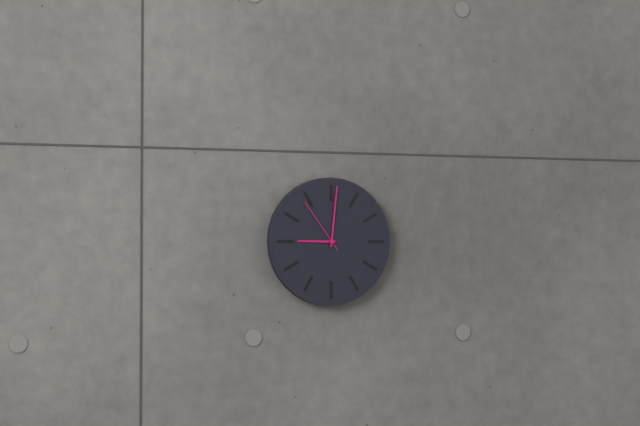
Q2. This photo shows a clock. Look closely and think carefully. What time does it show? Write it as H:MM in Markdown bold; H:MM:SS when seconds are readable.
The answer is **9:01:54**
